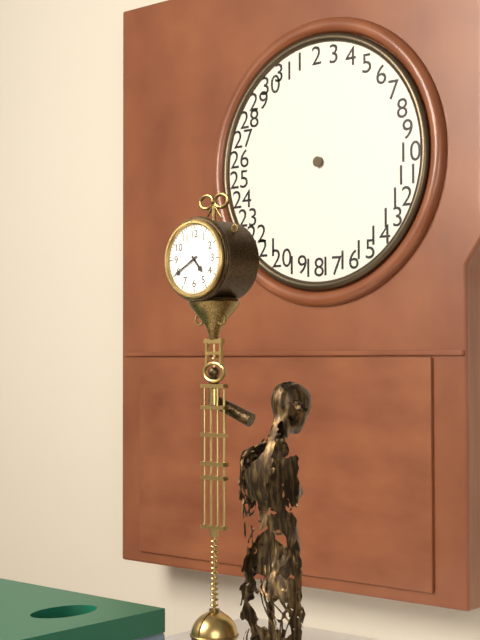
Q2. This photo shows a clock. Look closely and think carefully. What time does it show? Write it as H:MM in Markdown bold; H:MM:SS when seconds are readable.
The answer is **4:40**
